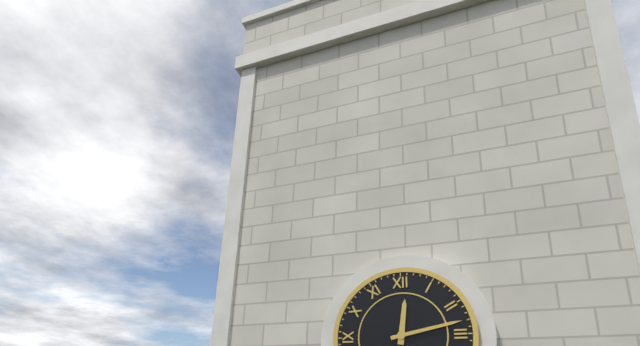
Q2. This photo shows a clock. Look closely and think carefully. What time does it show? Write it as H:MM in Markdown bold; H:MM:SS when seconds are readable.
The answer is **12:13**
